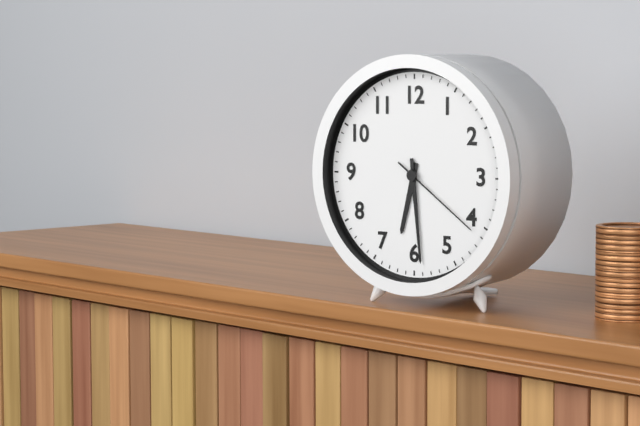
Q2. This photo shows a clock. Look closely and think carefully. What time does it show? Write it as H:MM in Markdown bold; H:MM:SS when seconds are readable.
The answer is **6:29:21**
